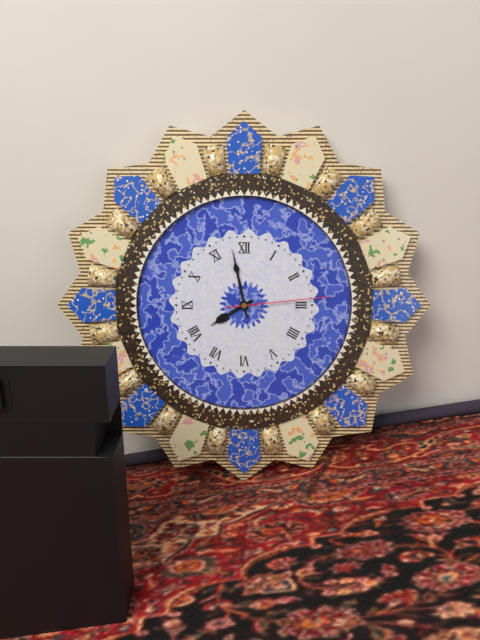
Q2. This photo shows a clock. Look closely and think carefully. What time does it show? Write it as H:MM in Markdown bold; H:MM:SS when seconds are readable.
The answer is **7:58:14**
